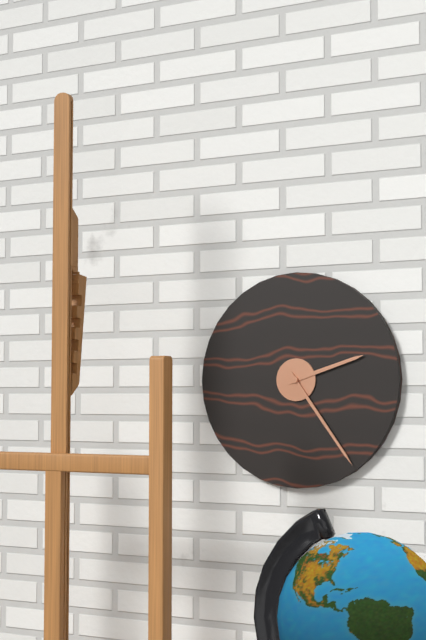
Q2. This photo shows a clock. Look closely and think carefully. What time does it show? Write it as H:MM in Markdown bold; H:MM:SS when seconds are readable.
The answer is **2:24**
